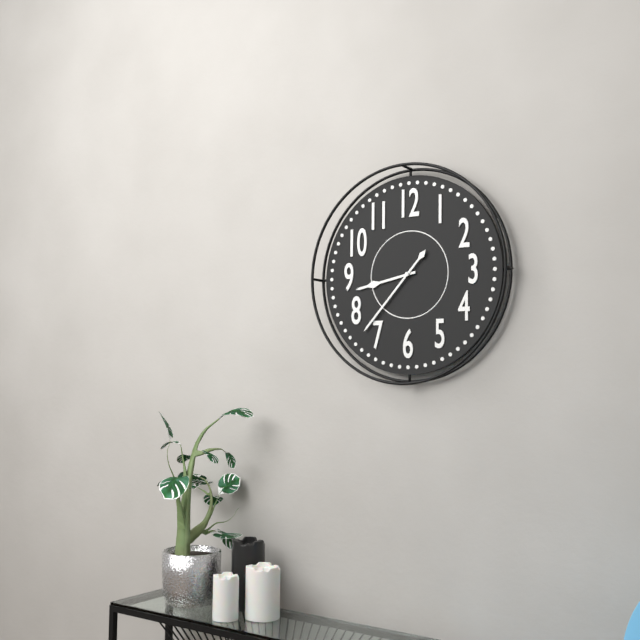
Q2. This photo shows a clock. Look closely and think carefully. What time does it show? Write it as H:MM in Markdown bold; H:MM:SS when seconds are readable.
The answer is **8:37**
